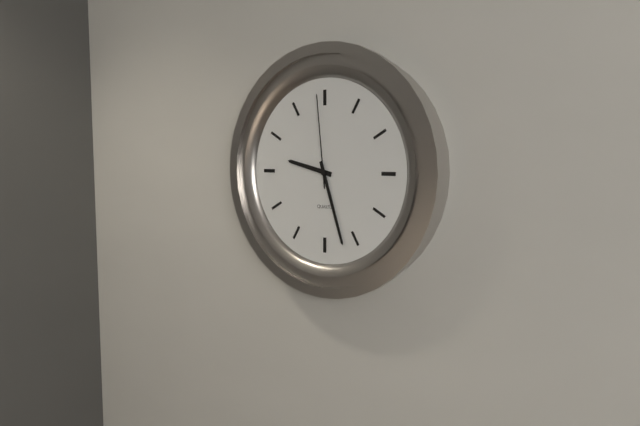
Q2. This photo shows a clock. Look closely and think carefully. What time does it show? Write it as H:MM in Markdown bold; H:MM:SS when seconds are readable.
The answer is **9:27:59**
